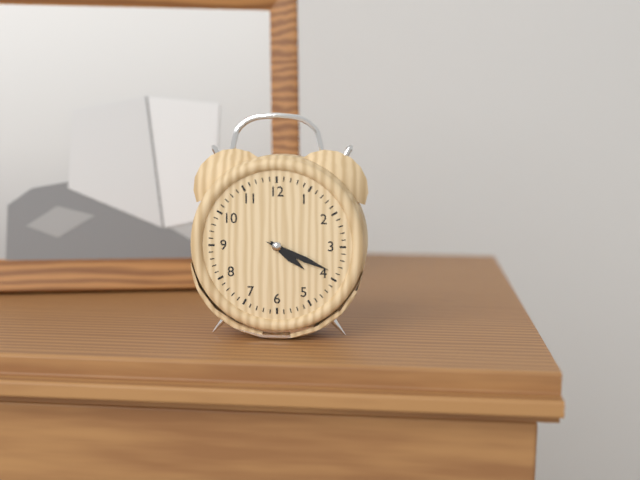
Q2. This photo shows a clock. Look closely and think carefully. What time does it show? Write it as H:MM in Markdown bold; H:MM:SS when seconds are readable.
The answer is **4:19**
